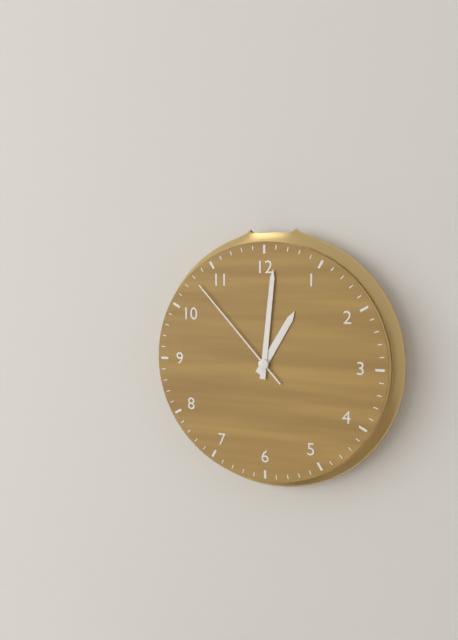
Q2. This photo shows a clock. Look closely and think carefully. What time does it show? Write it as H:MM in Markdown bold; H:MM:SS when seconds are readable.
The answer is **1:01:53**
